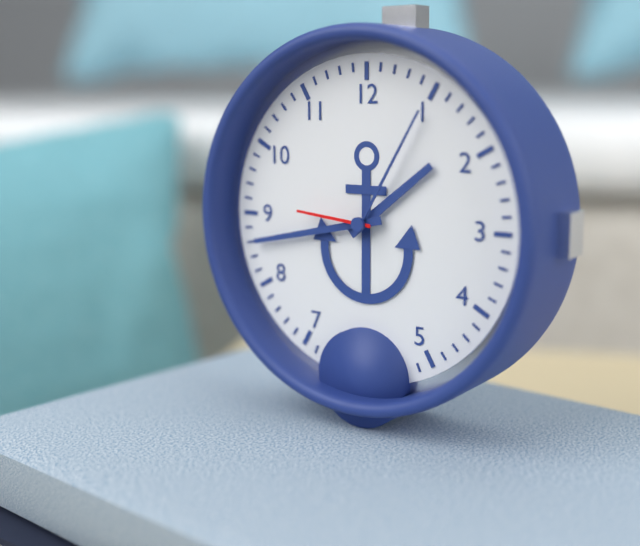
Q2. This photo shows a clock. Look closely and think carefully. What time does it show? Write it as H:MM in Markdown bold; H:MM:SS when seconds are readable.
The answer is **1:43:46**
